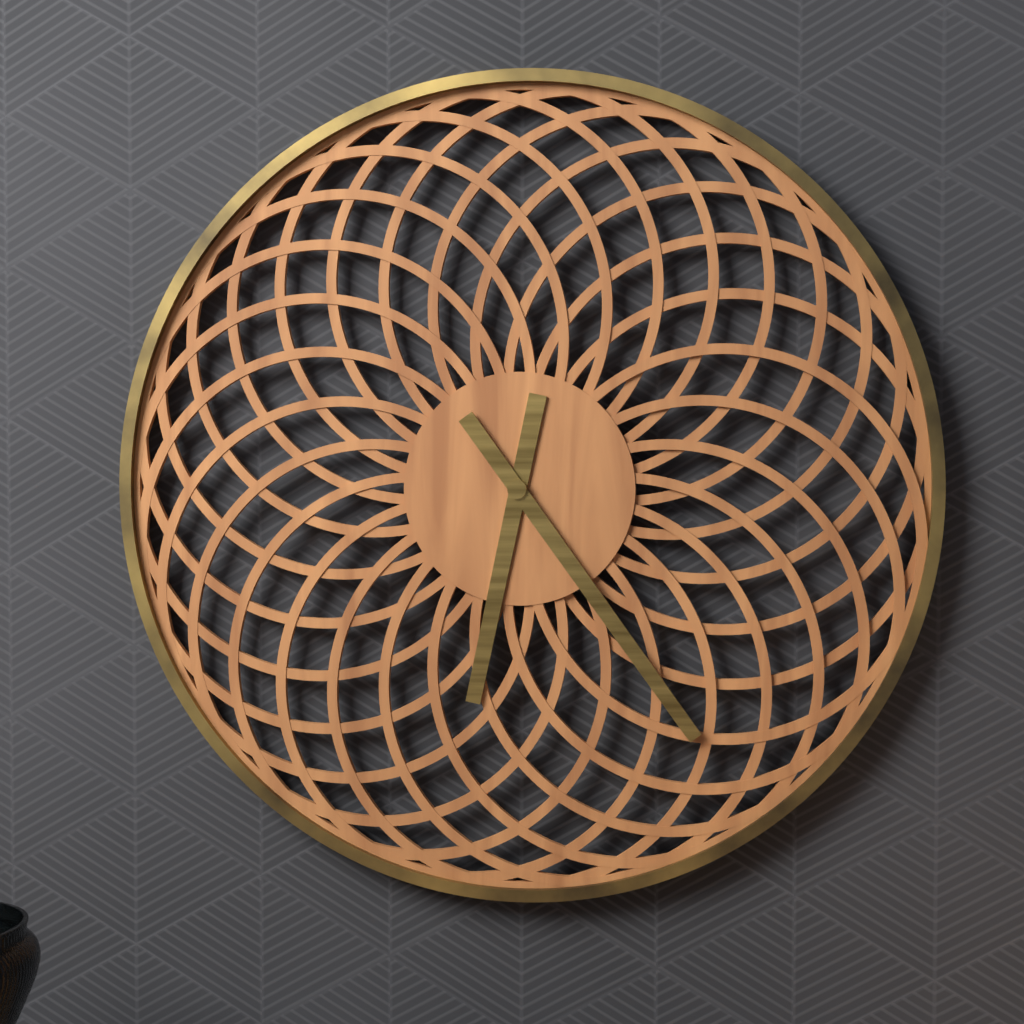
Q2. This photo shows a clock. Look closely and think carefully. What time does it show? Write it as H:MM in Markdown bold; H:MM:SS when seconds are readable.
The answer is **6:24**
